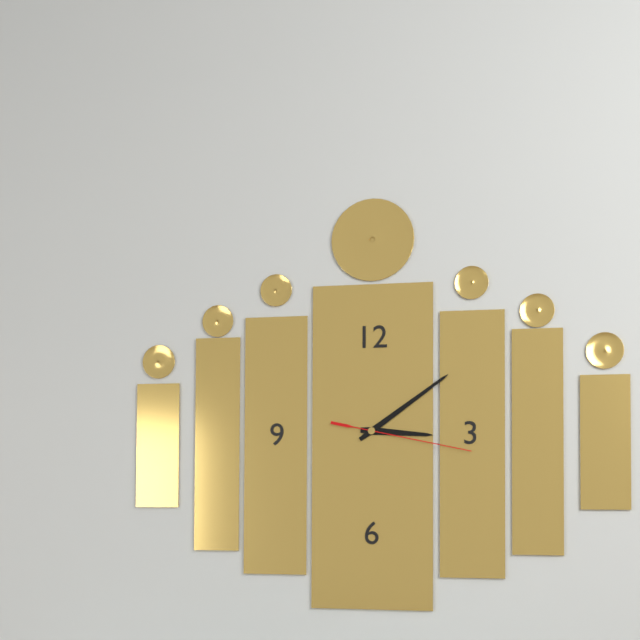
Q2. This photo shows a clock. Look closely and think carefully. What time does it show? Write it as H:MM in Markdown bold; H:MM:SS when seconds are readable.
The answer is **3:09:17**
